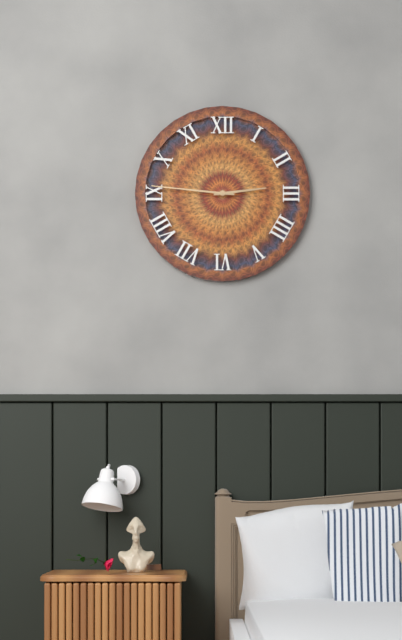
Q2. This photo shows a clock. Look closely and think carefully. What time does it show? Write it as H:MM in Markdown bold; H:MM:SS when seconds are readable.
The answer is **2:46**
